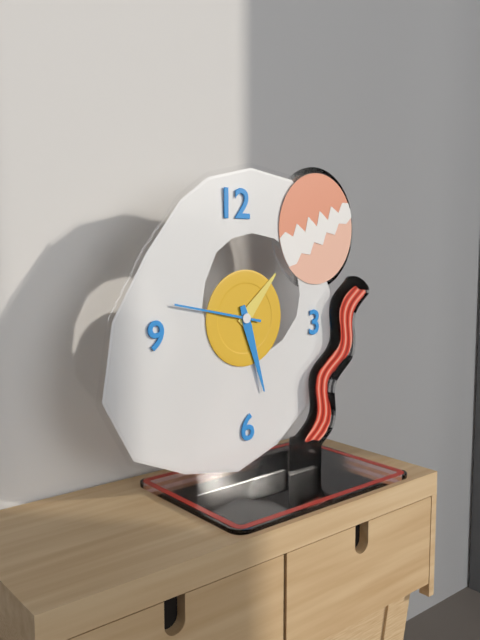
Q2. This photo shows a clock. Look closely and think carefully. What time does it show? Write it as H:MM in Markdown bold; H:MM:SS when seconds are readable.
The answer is **1:27:47**
